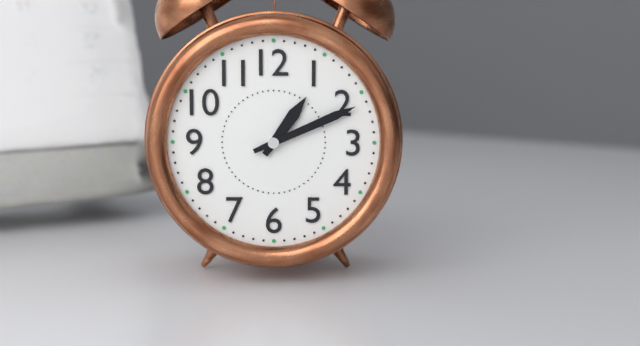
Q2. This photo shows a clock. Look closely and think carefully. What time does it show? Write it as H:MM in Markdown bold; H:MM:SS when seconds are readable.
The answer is **1:11**
